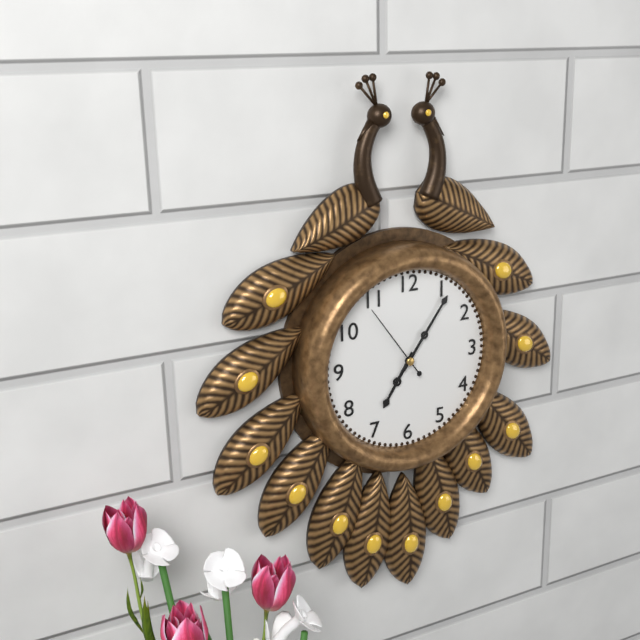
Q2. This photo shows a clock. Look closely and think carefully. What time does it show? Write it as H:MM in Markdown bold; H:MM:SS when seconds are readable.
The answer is **7:06:54**
